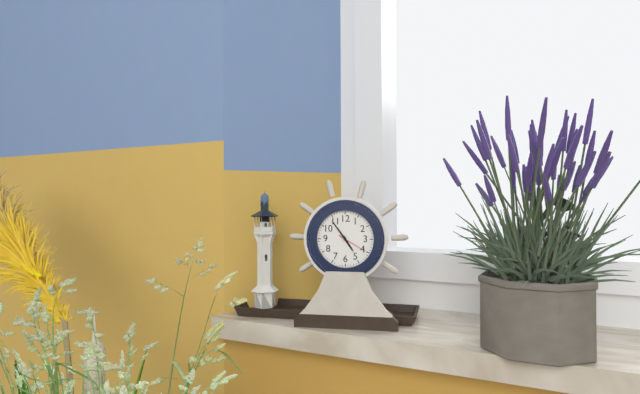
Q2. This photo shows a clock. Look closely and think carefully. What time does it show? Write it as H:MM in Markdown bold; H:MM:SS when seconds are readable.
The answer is **4:54**
